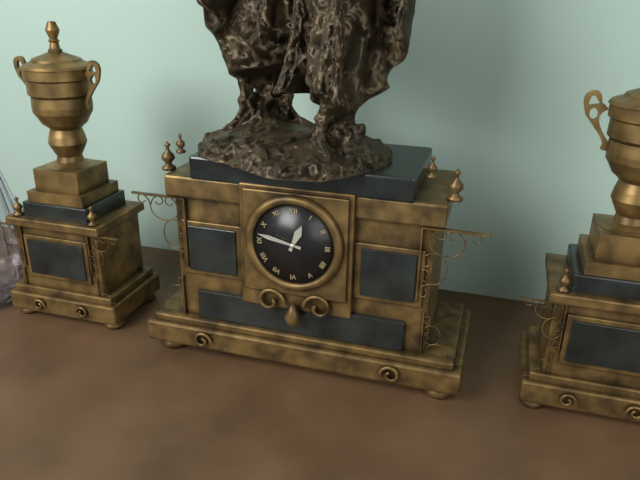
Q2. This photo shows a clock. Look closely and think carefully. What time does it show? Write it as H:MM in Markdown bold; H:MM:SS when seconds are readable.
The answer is **12:47**
